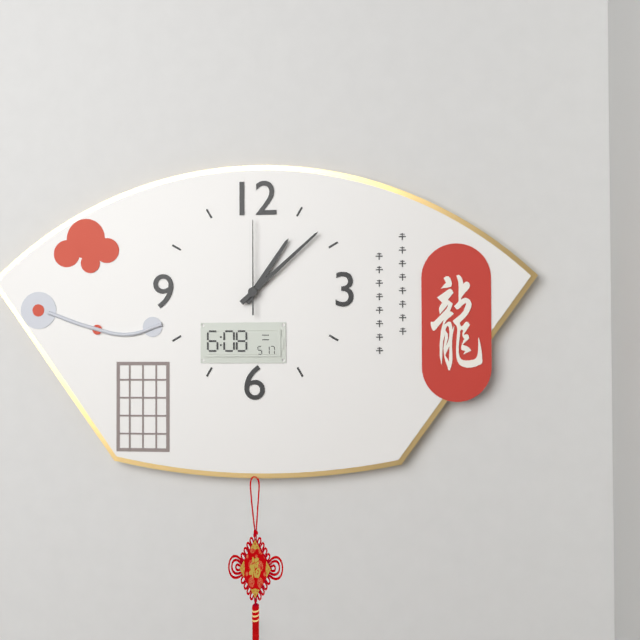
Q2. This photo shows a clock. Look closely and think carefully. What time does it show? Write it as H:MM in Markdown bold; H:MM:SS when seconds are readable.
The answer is **1:08:00**
